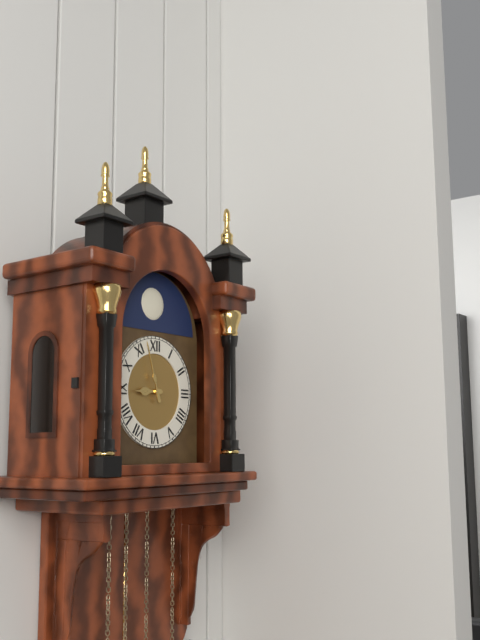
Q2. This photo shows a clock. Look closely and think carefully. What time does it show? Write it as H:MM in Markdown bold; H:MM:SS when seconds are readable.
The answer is **8:57**
